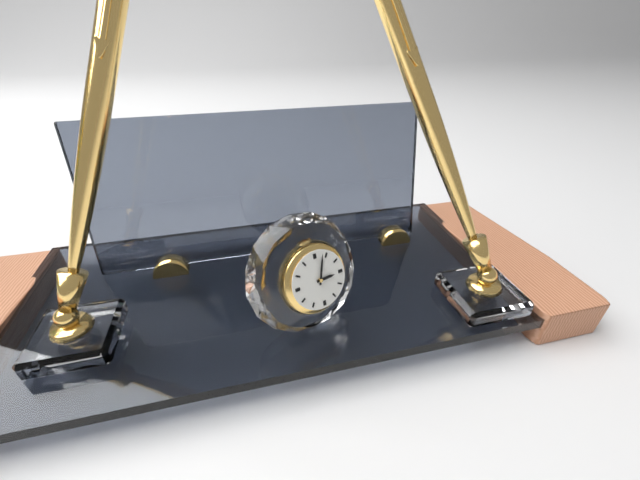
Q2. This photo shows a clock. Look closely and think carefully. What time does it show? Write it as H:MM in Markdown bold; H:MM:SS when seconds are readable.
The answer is **3:03**
